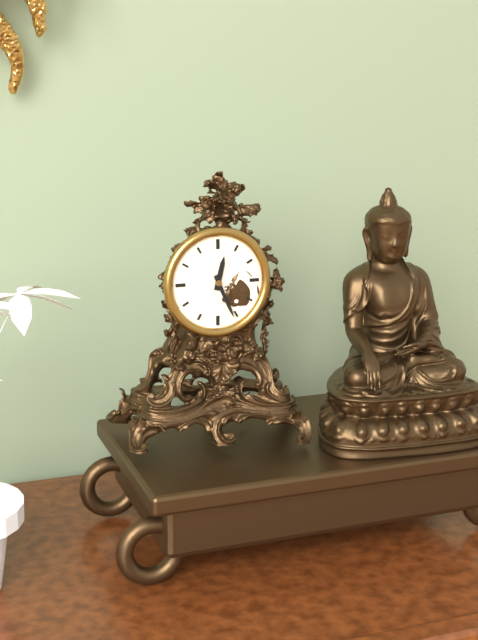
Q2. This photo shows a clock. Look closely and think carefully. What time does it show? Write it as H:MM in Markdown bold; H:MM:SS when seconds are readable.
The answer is **12:26**
